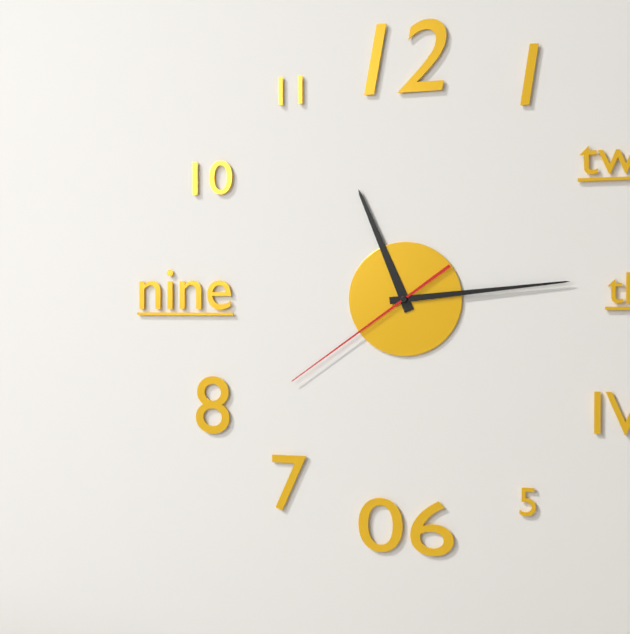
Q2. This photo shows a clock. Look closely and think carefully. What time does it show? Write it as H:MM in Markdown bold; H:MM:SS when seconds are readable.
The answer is **11:14:39**
